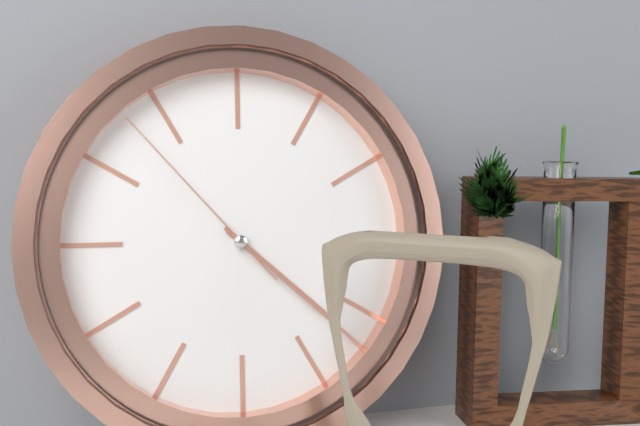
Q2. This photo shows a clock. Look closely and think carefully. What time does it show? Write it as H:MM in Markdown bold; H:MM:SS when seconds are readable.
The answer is **4:22:53**
